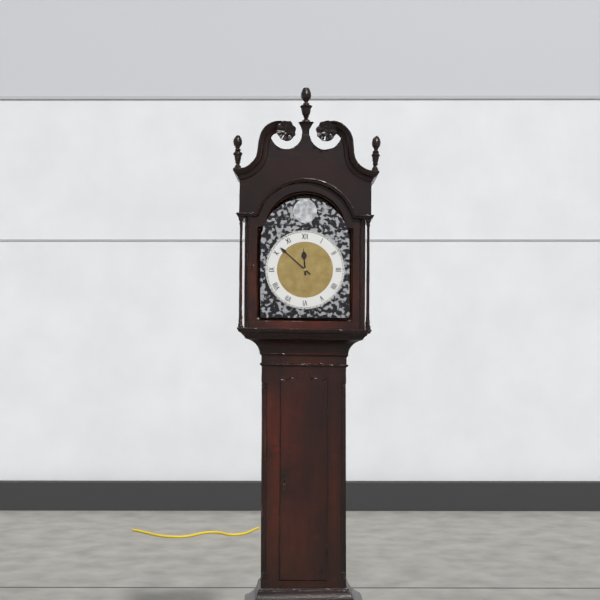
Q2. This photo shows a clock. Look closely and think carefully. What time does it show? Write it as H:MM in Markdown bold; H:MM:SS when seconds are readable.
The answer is **11:52**
